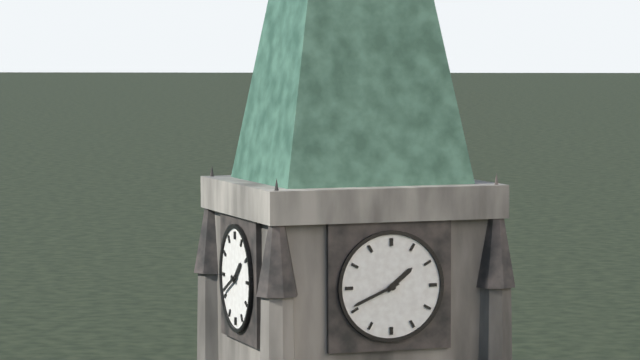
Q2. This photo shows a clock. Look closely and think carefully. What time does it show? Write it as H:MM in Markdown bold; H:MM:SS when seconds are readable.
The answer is **1:41**
